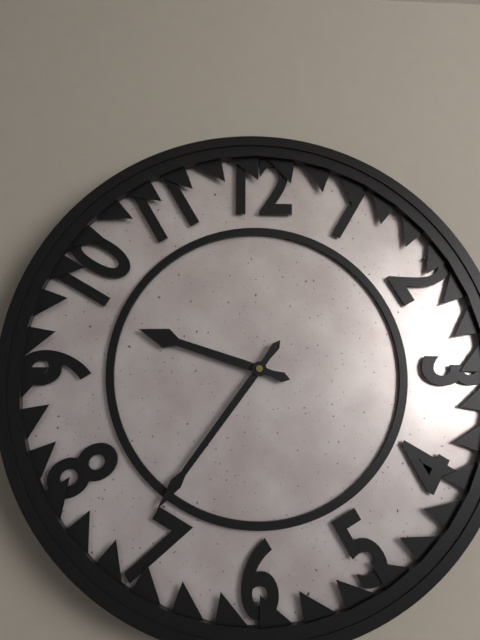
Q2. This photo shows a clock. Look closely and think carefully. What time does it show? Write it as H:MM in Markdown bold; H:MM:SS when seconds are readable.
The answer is **9:36**
